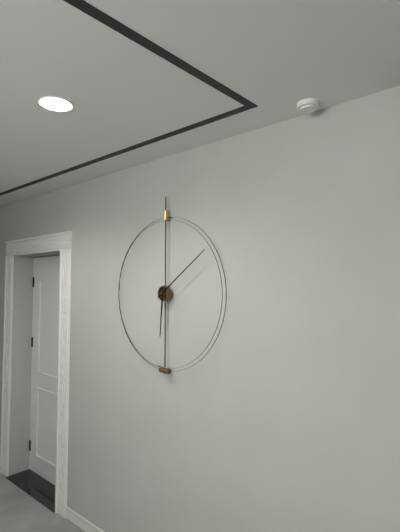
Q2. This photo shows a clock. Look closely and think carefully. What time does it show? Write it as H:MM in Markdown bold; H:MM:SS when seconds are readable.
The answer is **6:09**
